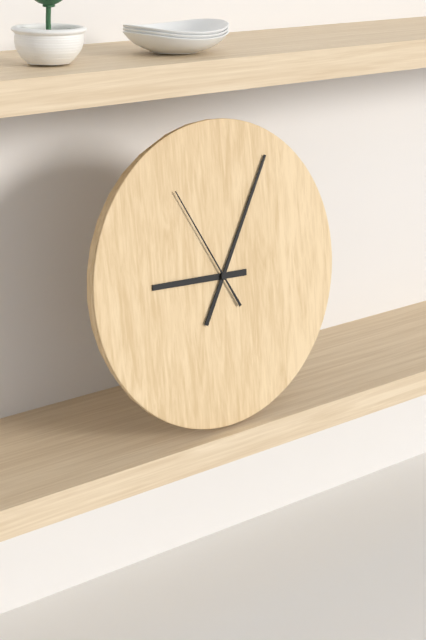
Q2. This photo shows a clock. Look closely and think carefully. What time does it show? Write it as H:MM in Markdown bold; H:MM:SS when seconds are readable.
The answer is **9:05:55**
